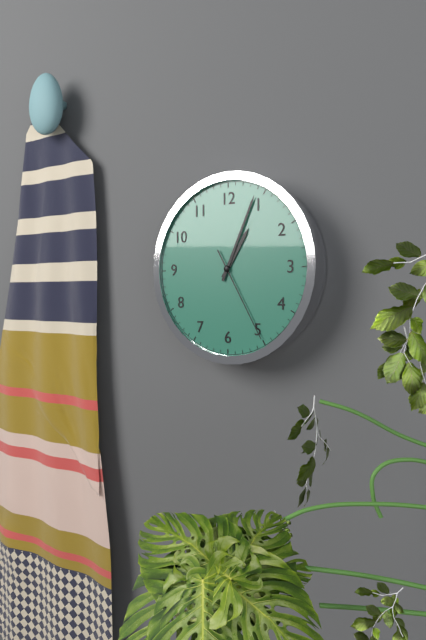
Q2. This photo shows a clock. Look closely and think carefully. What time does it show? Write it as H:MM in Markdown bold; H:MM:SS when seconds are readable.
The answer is **1:04:25**
